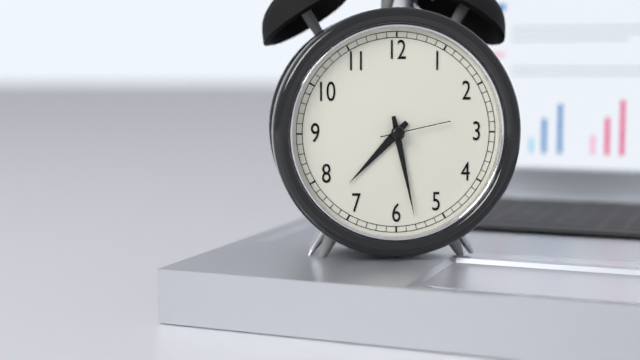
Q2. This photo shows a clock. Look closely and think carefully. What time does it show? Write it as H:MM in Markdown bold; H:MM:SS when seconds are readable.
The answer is **7:28:13**
